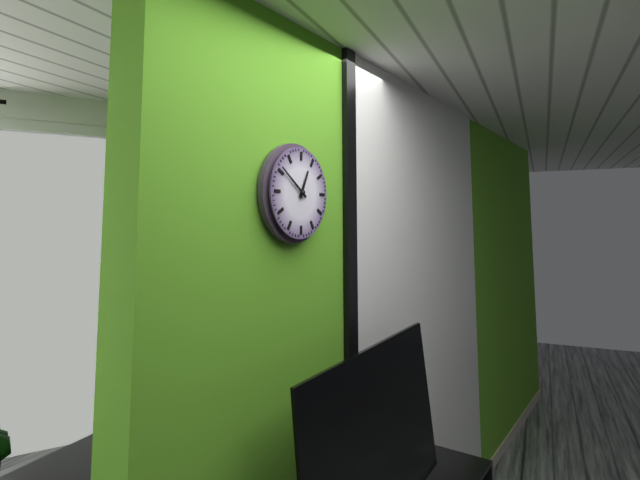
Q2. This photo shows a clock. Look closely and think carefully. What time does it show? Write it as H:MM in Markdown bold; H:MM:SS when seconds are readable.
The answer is **12:51**
